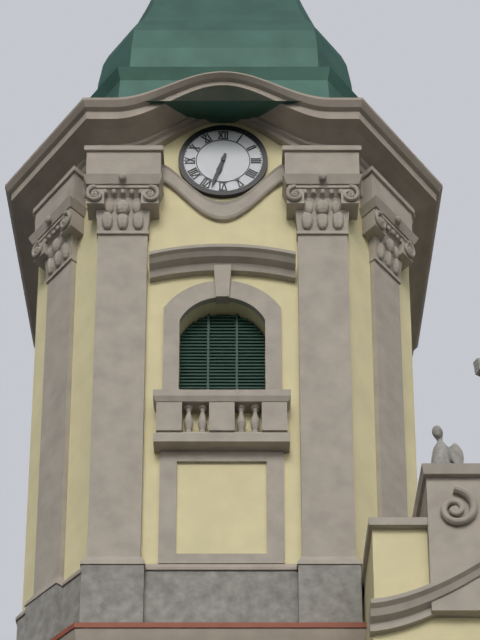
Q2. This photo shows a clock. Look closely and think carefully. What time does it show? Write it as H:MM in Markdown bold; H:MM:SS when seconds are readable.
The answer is **6:33**
